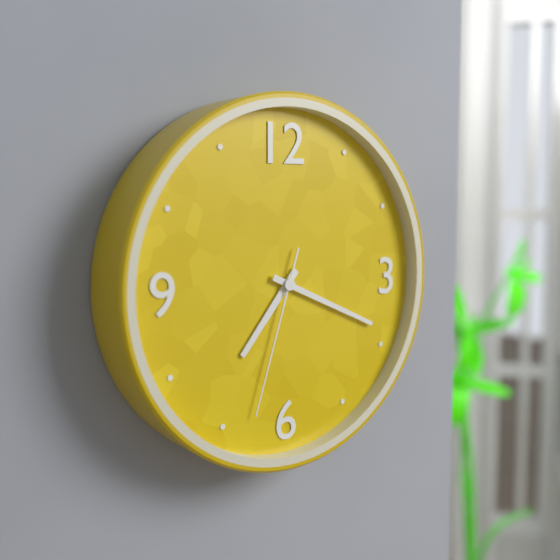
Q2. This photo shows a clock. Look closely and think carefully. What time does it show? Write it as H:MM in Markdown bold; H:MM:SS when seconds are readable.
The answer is **7:19:33**
